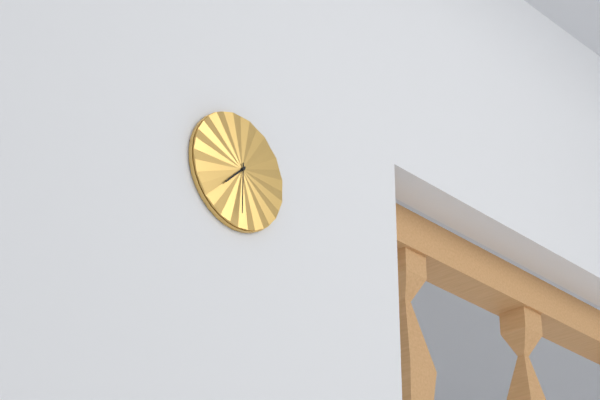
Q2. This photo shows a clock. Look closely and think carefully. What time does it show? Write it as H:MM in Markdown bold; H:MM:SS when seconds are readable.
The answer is **7:30**
